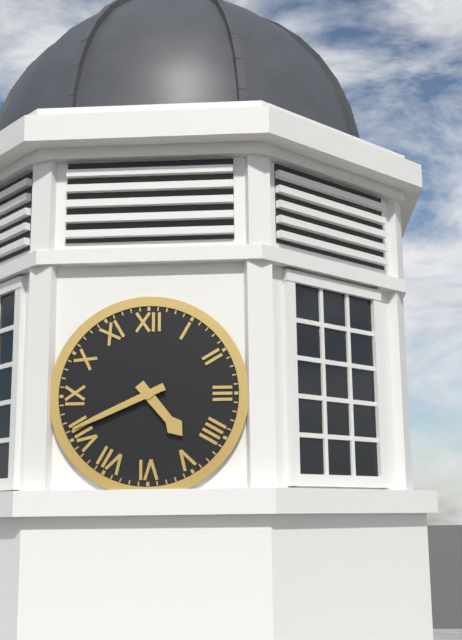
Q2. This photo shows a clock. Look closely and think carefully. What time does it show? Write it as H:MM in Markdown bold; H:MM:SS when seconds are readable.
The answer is **4:41**
